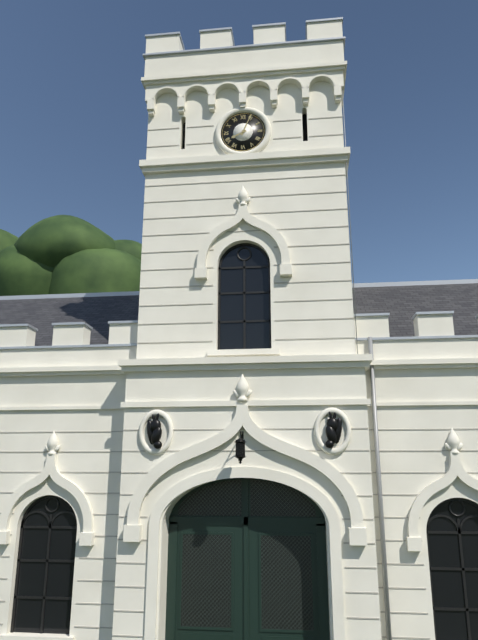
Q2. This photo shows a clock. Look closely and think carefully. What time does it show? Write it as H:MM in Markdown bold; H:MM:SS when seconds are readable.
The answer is **8:04**
